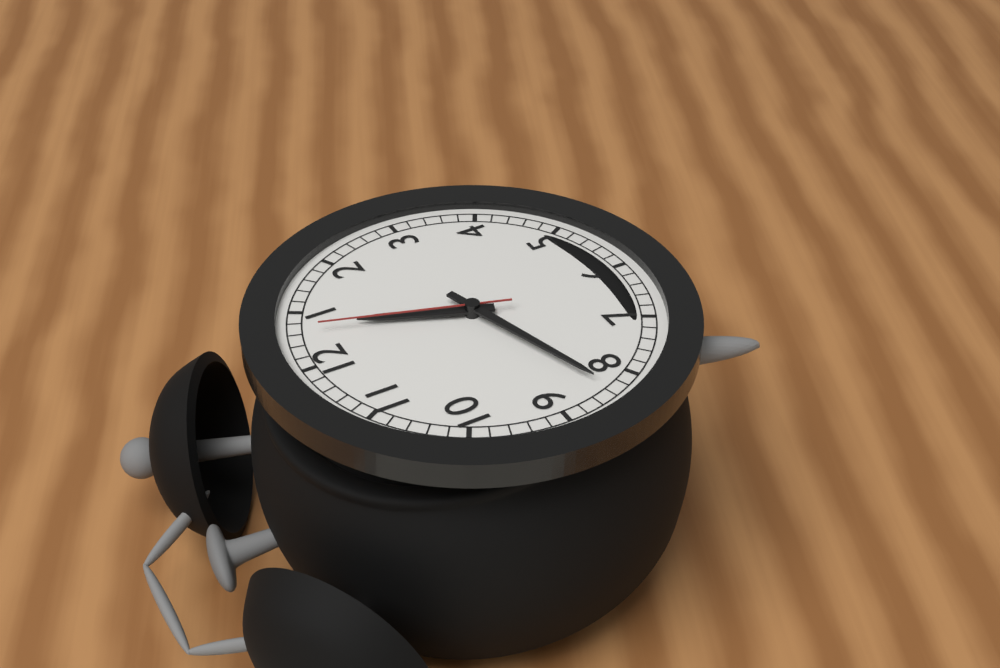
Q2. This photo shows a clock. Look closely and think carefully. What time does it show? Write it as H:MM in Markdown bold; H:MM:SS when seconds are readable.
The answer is **12:42:03**
